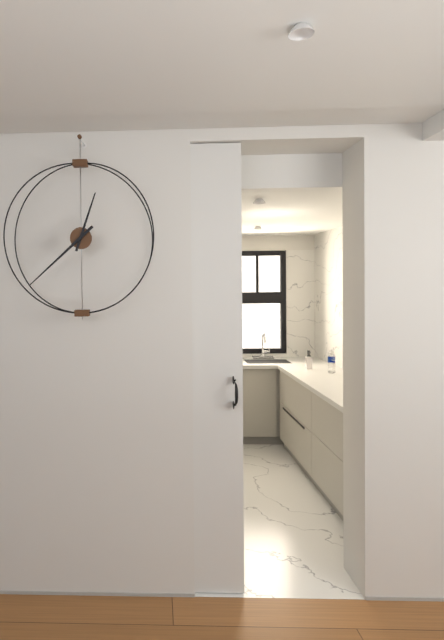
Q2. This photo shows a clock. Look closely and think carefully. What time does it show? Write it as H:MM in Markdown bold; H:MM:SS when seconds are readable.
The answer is **12:38**
